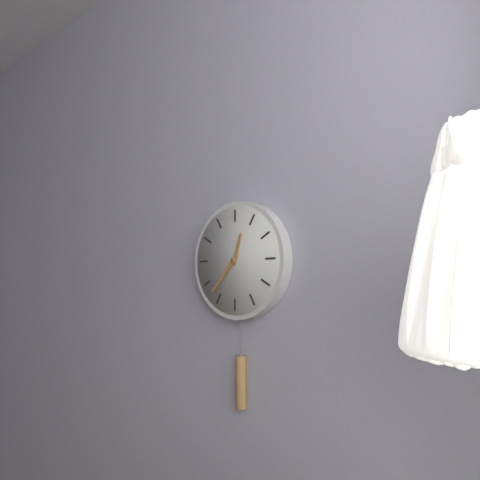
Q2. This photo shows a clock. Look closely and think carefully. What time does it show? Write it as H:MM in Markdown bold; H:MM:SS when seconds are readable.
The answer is **12:37**
